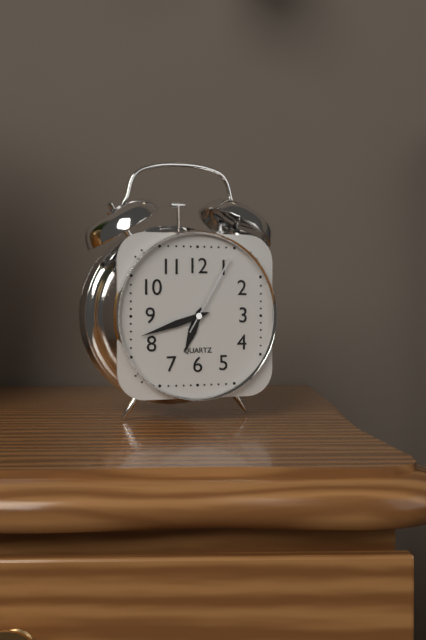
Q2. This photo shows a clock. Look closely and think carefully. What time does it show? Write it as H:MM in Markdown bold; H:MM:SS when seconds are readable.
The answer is **6:42:05**
